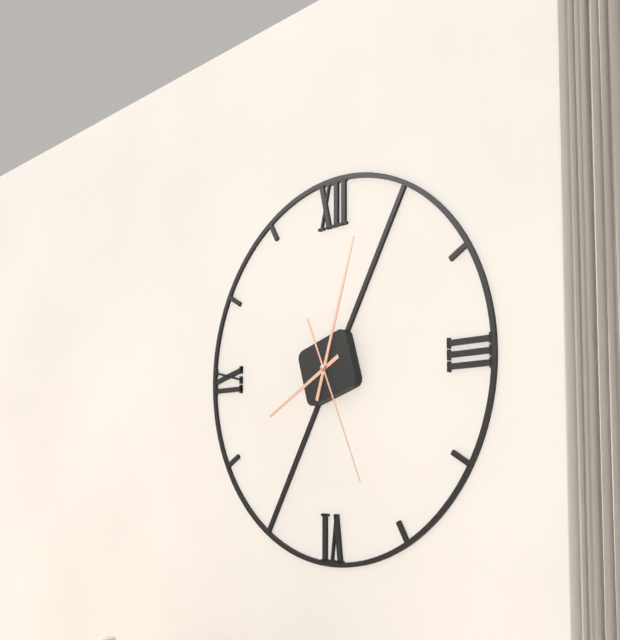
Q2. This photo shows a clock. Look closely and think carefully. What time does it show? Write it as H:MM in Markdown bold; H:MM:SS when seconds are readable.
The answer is **8:03:26**
